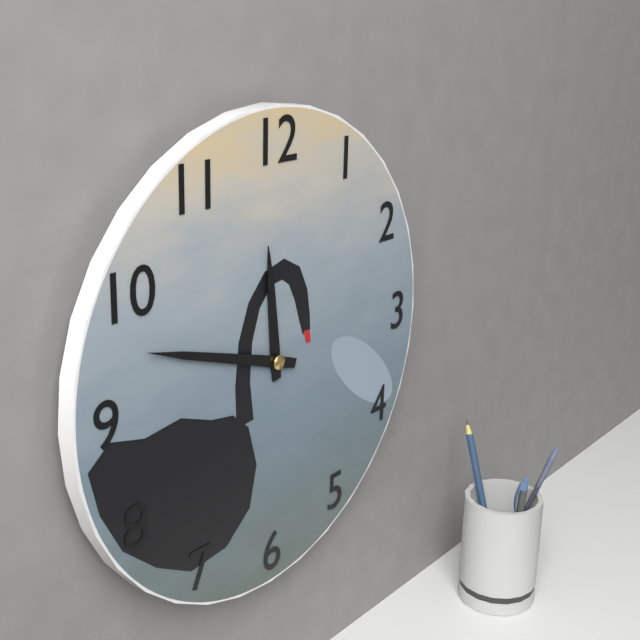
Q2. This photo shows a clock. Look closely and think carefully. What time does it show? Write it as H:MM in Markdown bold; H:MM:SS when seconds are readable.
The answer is **11:48**
